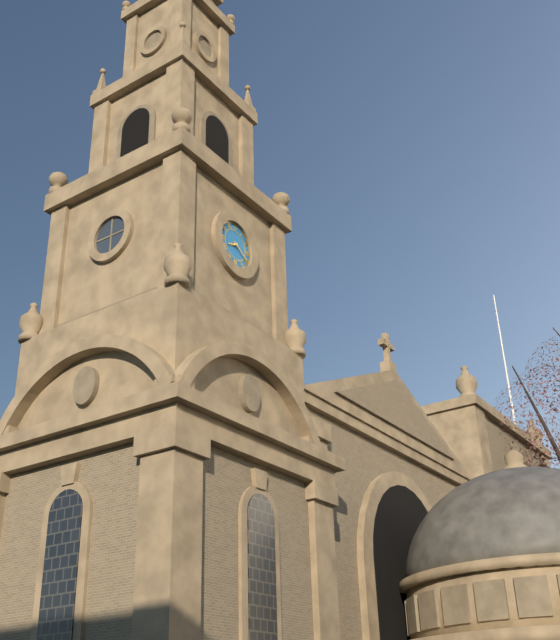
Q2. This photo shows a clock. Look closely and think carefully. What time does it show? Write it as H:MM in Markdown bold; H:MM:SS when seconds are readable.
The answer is **8:20**
